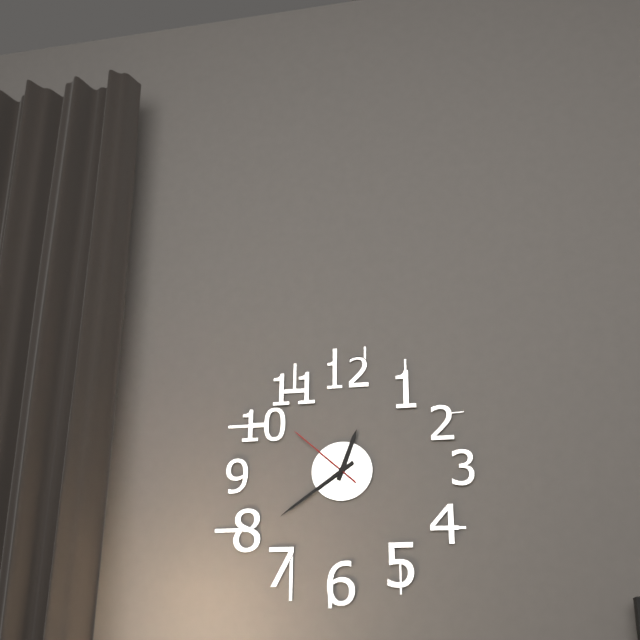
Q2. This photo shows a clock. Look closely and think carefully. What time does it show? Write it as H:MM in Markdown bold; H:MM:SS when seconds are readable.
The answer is **12:39:52**
